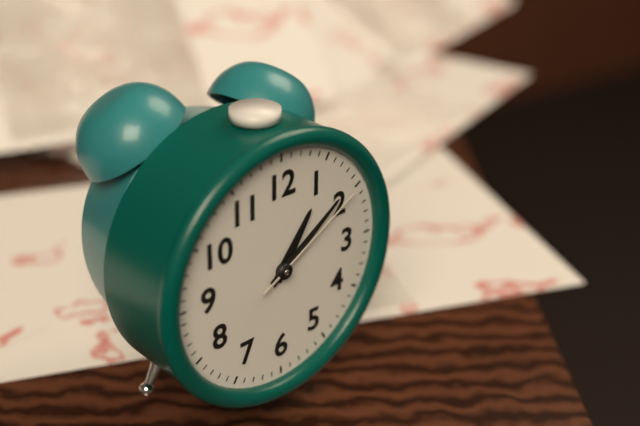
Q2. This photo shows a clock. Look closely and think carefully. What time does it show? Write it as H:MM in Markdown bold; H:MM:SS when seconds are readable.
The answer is **1:09:10**
